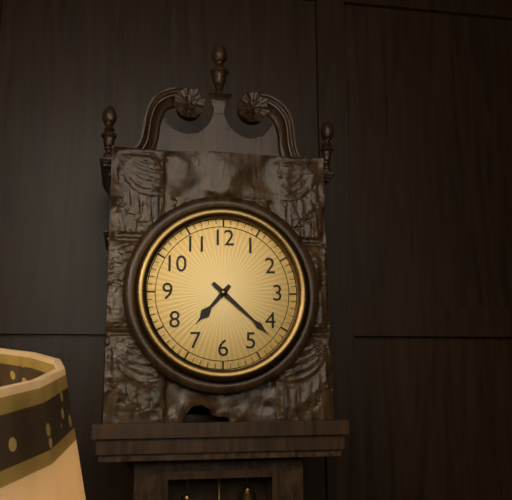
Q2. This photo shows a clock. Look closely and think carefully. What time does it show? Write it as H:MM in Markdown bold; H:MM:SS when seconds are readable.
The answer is **7:22**
